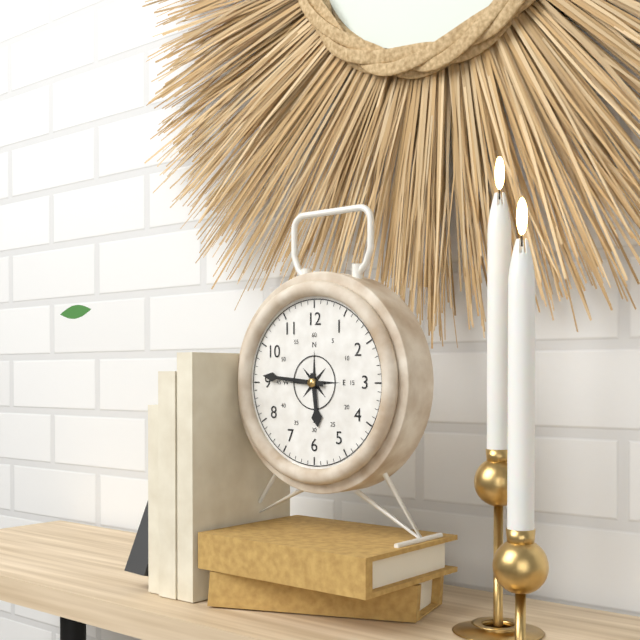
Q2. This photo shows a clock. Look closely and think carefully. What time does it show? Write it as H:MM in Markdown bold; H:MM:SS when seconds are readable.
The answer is **5:46**
